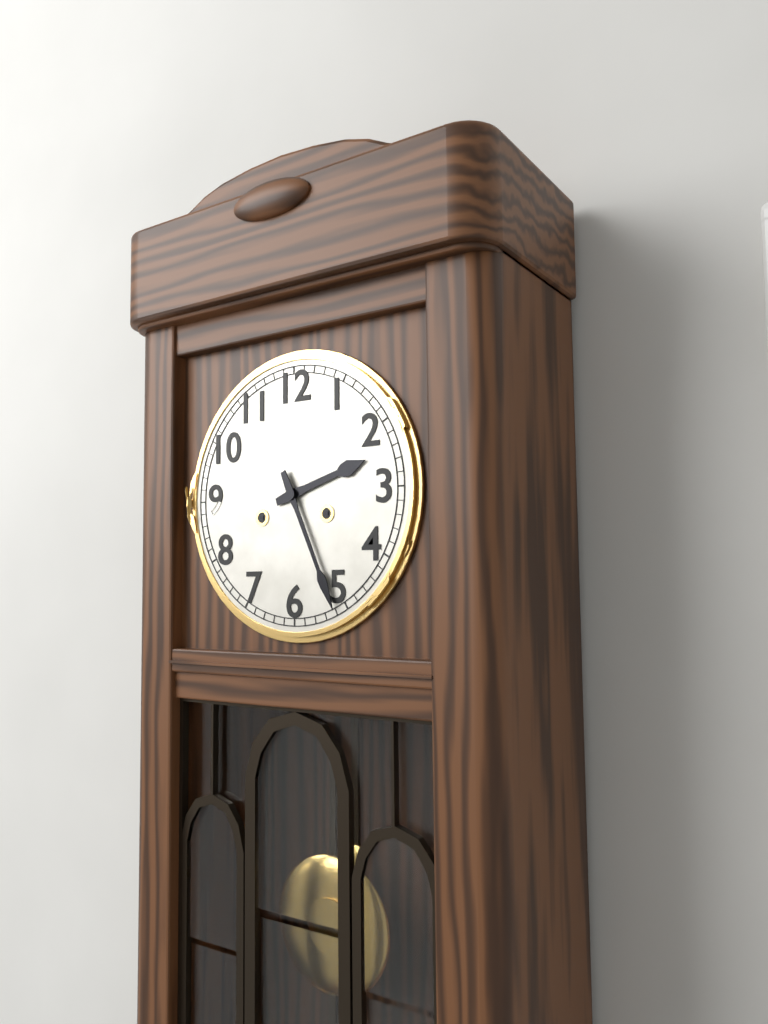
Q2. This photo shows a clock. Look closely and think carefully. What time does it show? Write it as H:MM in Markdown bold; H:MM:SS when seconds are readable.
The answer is **2:26**
